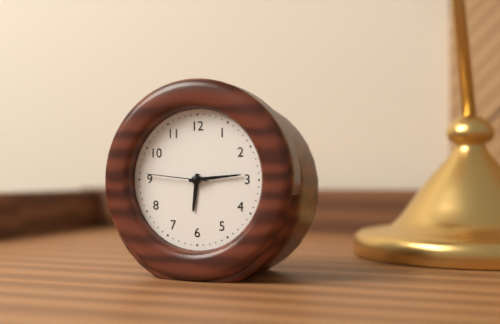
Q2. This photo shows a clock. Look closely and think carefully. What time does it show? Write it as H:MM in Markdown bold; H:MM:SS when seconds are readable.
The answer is **6:14:46**
